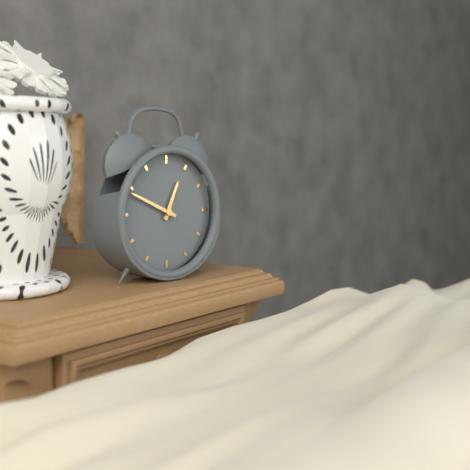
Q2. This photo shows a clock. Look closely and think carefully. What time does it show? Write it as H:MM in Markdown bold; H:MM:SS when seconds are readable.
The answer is **12:49**
